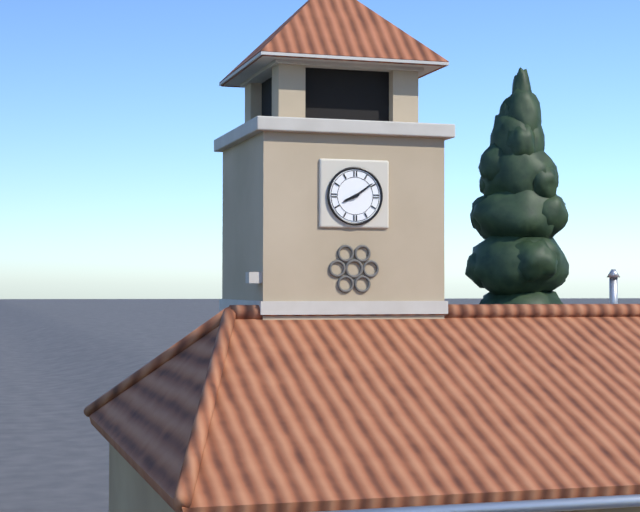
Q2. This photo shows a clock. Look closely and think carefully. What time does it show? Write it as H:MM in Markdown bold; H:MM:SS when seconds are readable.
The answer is **8:09**
